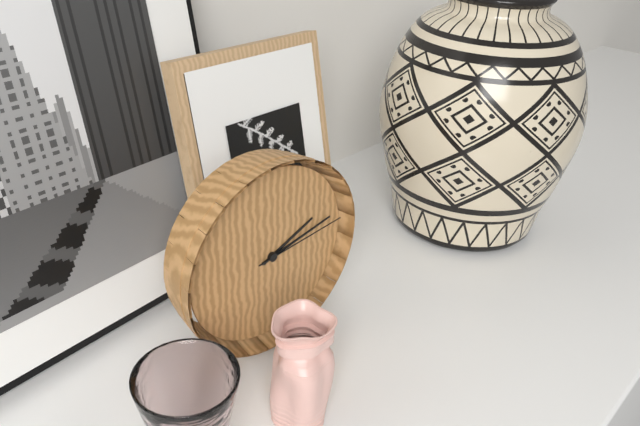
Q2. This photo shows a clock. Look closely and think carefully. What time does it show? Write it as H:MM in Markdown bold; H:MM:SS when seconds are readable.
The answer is **2:13:14**
